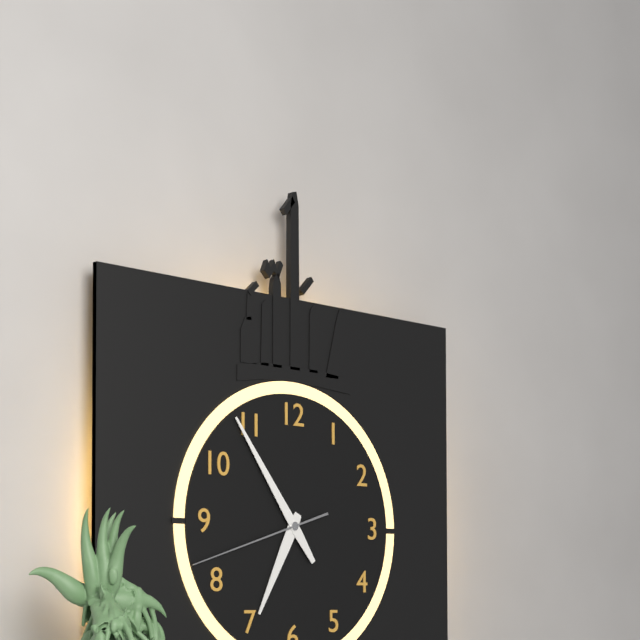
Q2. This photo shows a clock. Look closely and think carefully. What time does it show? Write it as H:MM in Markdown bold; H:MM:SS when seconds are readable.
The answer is **6:54:42**
